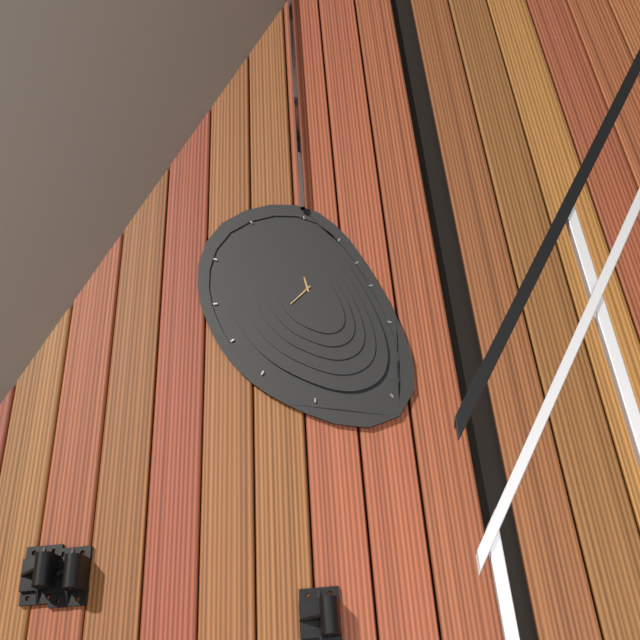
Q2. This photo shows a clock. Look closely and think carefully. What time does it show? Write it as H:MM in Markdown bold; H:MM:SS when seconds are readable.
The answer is **11:38**
